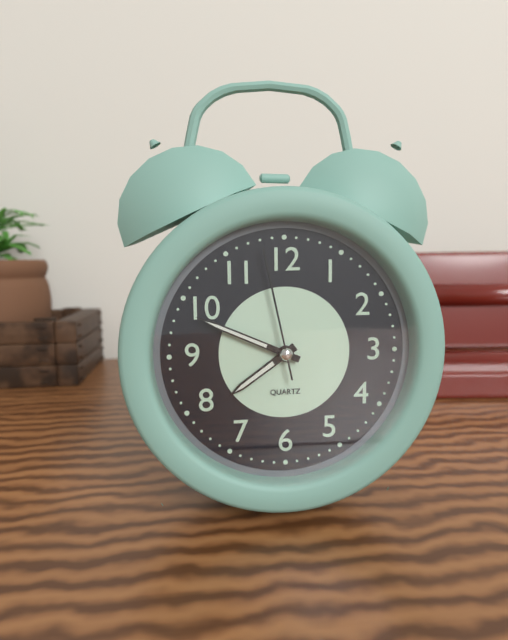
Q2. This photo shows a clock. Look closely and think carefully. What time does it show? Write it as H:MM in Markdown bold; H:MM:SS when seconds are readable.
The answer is **7:49:58**
